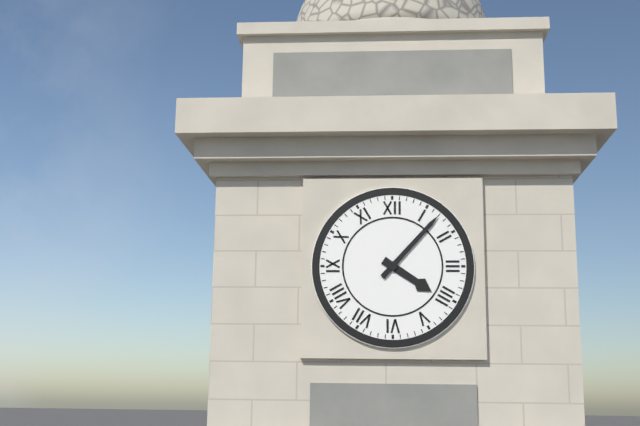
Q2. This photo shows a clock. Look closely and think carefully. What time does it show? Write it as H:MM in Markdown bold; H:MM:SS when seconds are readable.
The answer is **4:07**
